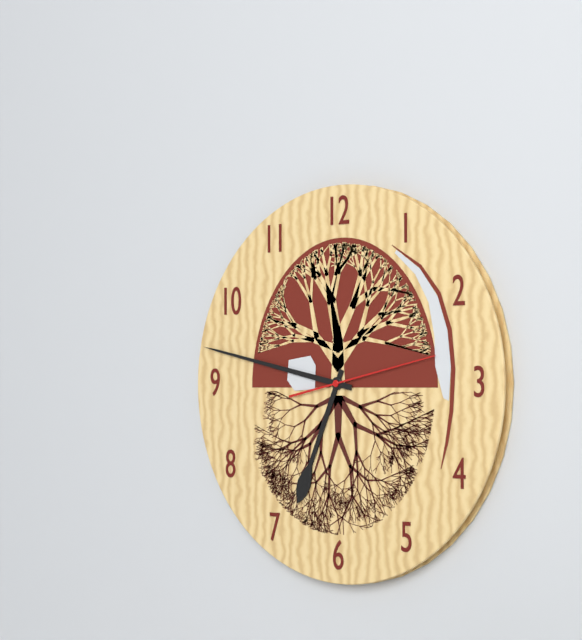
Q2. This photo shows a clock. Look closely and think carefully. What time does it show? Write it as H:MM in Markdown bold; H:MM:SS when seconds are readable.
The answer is **6:47:13**
